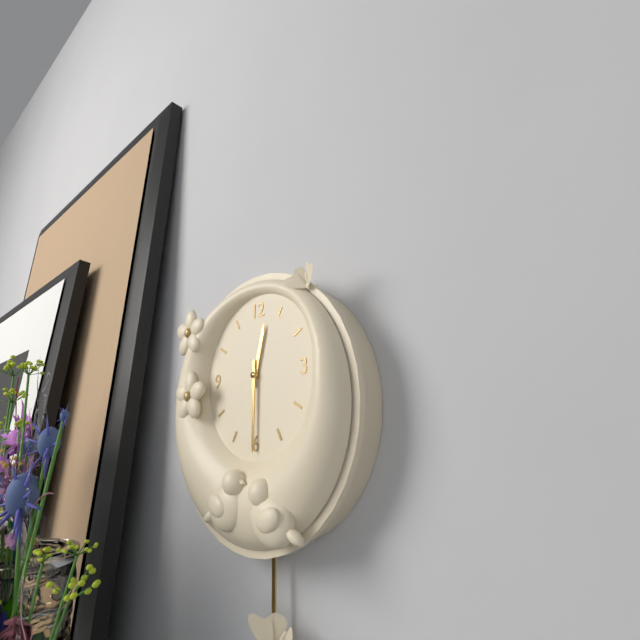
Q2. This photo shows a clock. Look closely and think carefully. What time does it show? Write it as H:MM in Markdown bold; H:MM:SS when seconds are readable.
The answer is **12:30**
